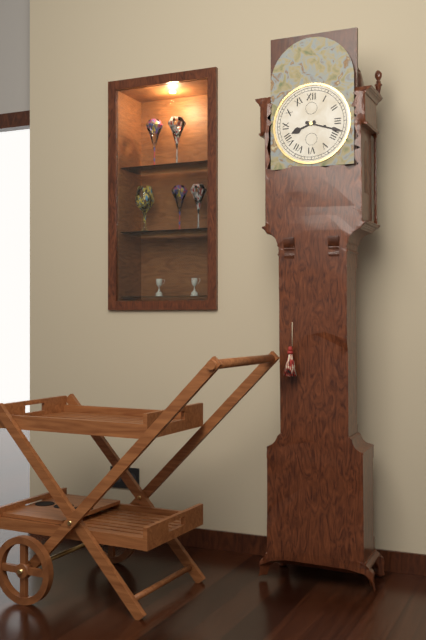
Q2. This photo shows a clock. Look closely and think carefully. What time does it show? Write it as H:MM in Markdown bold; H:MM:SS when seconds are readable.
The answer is **8:18**
